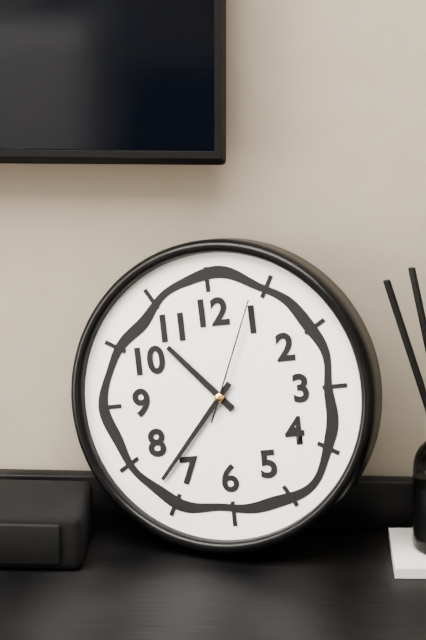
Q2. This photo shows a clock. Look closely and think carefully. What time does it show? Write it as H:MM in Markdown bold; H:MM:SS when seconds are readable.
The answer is **10:37:04**
